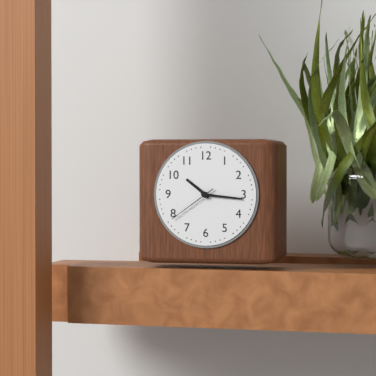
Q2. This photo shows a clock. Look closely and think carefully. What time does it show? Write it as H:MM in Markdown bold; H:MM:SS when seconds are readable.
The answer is **10:16:39**
